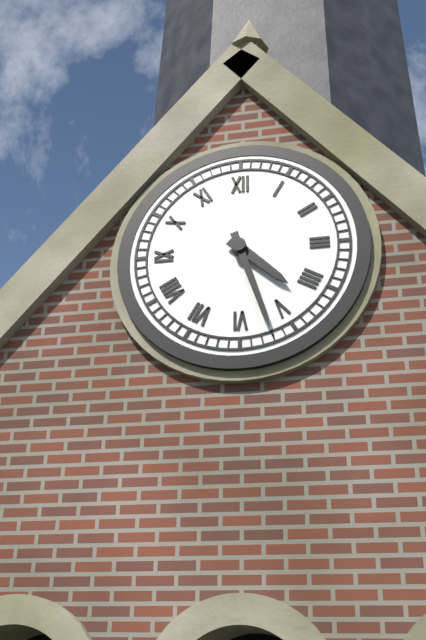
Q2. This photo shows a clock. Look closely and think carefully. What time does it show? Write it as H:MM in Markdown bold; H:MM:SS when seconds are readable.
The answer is **4:27**
